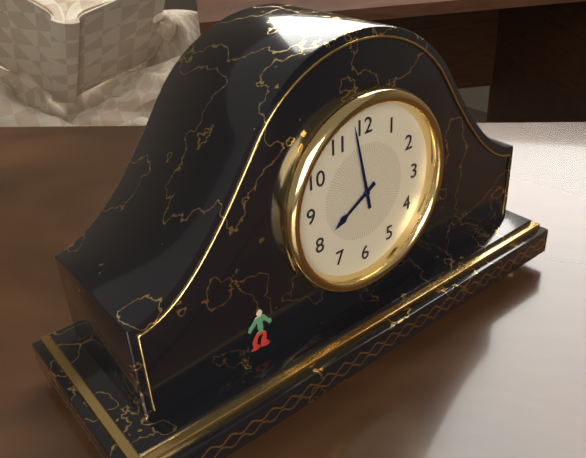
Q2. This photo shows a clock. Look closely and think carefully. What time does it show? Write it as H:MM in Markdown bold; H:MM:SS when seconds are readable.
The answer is **7:58**
